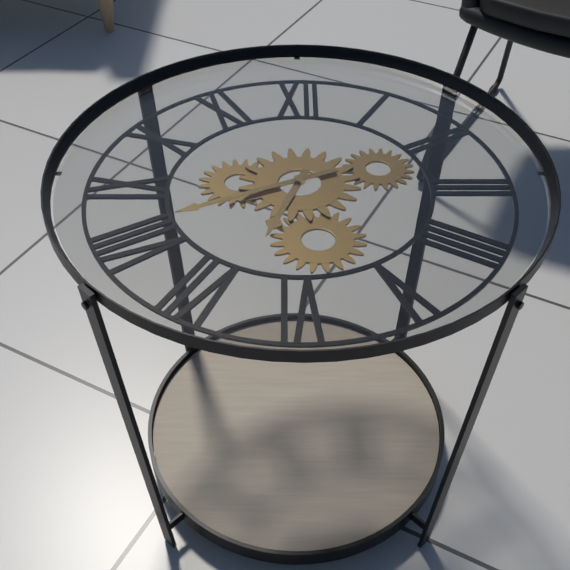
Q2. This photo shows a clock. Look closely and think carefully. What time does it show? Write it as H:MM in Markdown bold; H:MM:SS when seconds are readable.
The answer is **6:41**
